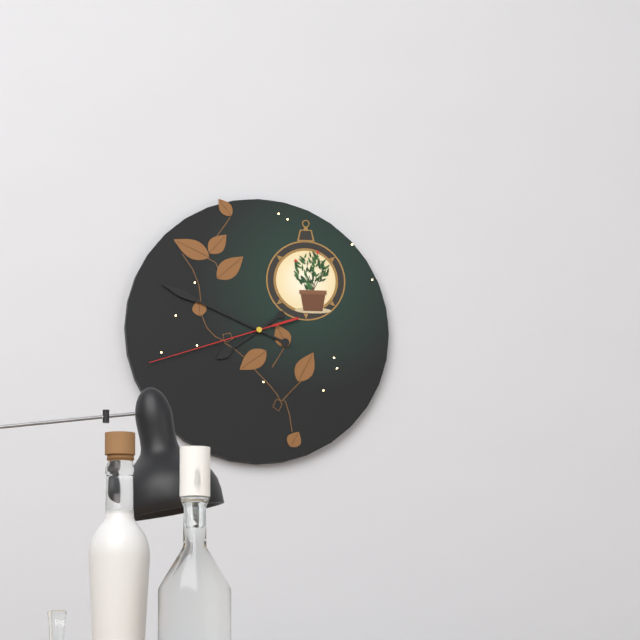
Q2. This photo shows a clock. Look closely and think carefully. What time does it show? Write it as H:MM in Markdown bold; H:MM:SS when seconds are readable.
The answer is **7:49:42**
